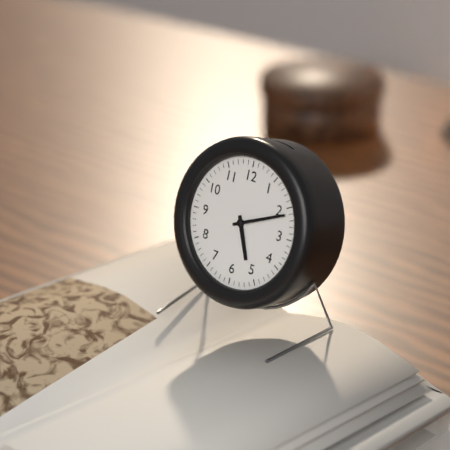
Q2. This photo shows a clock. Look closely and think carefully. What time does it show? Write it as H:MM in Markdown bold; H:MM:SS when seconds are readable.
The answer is **5:11**
